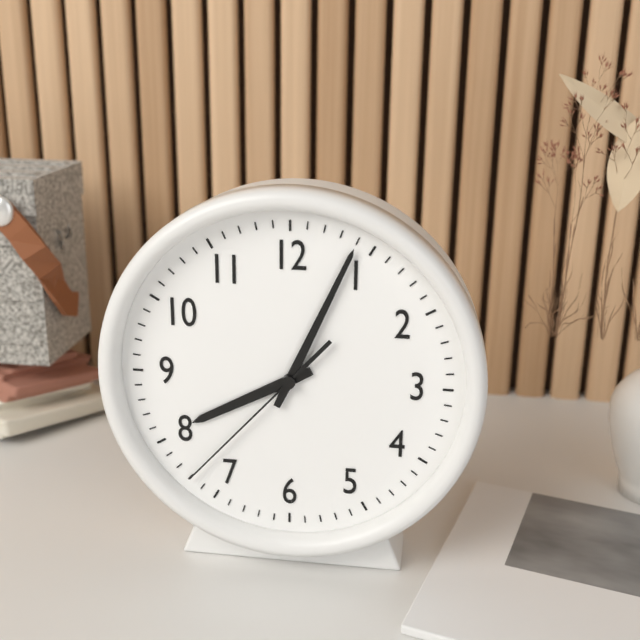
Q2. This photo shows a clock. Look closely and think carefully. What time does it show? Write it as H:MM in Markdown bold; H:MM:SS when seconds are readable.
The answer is **8:04:37**
